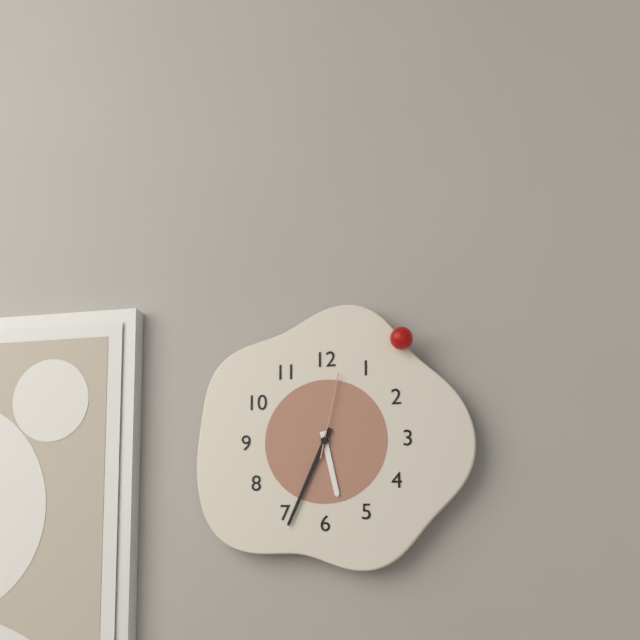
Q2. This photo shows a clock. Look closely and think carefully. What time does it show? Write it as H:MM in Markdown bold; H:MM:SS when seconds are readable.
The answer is **5:34:02**
